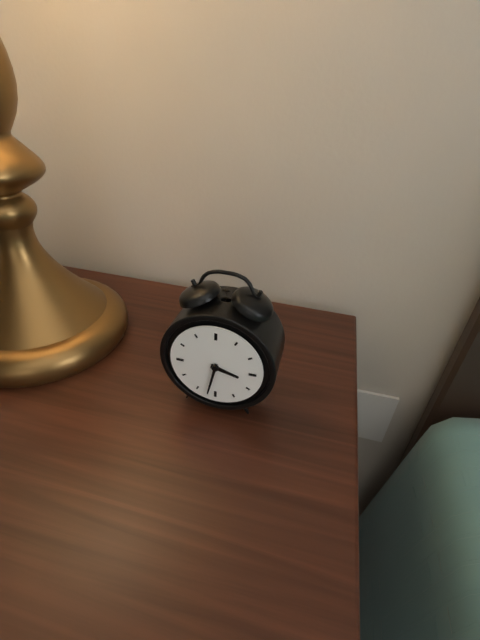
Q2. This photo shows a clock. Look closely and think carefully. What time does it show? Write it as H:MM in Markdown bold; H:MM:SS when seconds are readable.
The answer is **3:32**
